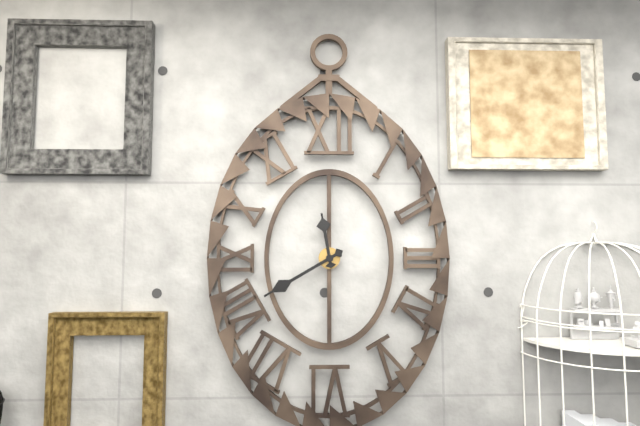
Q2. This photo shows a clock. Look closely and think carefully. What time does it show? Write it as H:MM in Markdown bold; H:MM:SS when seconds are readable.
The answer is **11:40**
